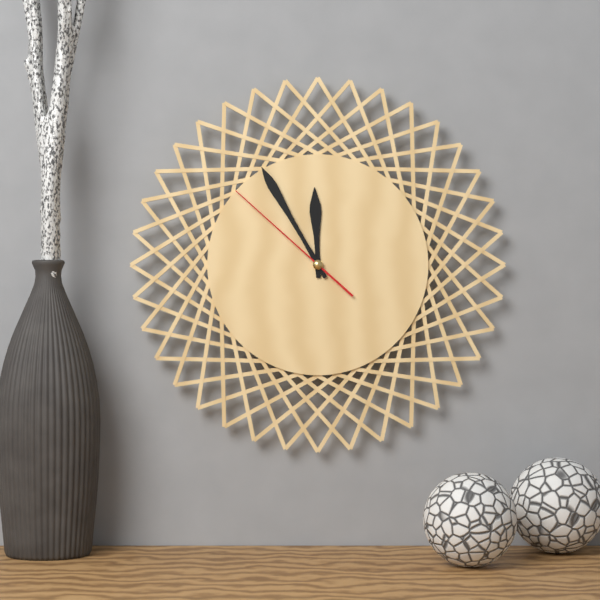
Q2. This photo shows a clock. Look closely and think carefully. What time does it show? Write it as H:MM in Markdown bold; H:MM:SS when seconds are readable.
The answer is **11:55:52**
